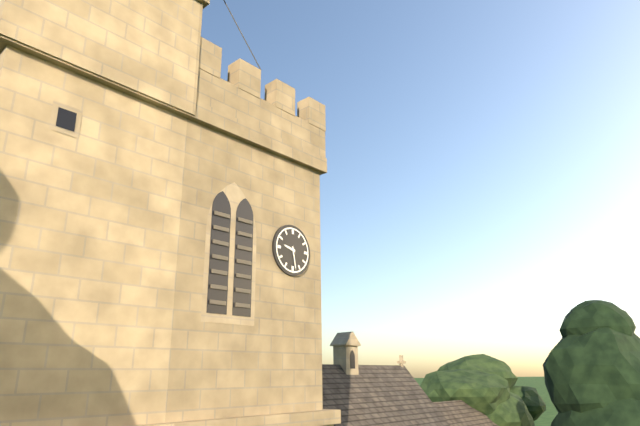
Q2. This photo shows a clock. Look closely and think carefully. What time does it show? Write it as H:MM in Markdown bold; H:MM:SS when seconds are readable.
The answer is **9:28**
